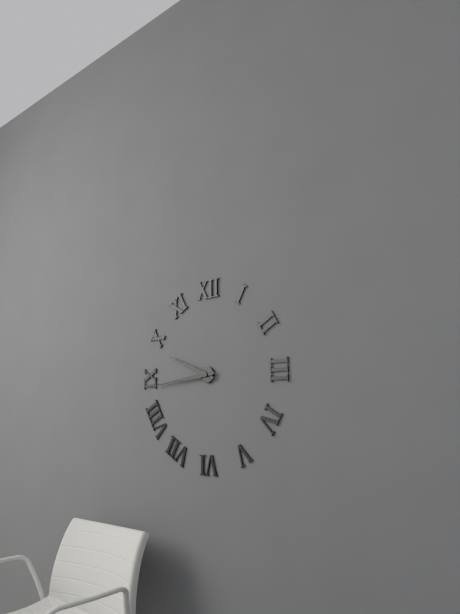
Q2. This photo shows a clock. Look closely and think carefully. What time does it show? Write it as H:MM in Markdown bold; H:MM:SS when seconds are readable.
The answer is **9:44**
